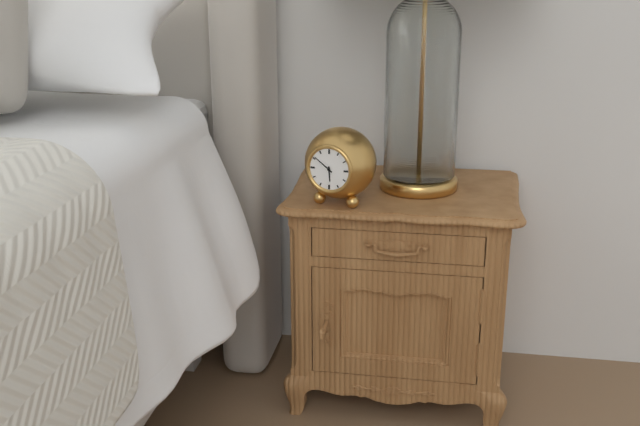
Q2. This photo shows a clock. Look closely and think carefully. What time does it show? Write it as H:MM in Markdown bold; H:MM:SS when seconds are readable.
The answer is **5:51**
